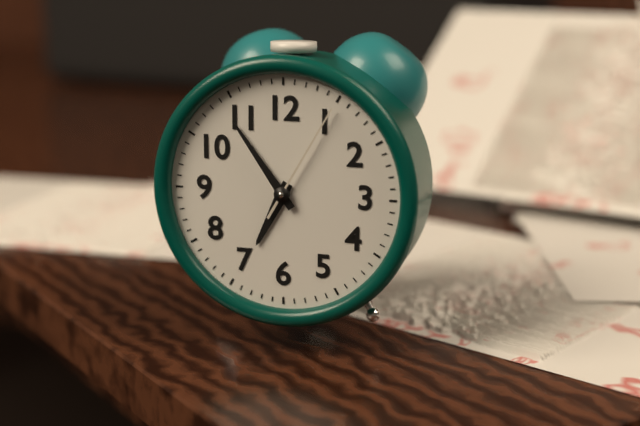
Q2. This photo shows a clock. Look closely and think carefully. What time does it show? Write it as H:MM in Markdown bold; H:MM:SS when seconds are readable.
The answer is **6:54:05**
